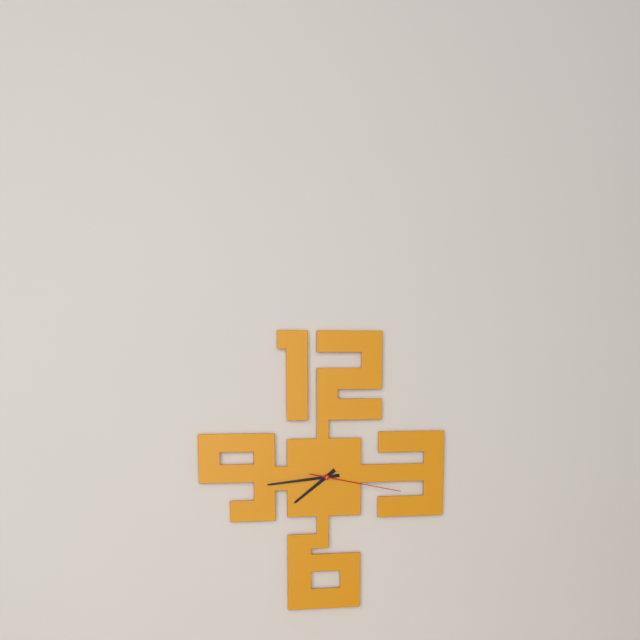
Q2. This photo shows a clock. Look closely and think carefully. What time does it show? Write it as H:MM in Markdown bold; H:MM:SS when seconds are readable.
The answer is **7:44:17**
